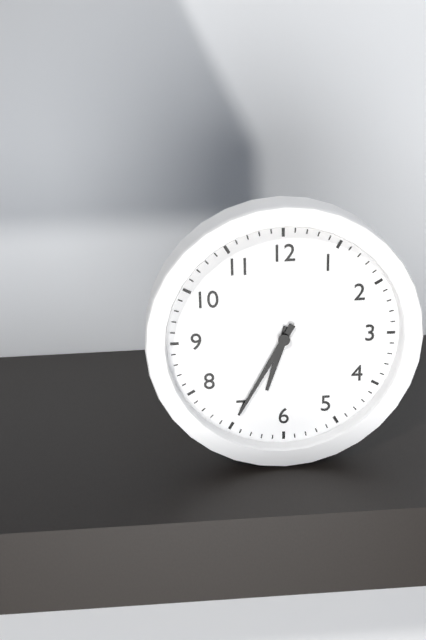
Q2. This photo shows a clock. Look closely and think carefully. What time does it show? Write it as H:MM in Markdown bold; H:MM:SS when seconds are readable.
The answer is **6:35**
